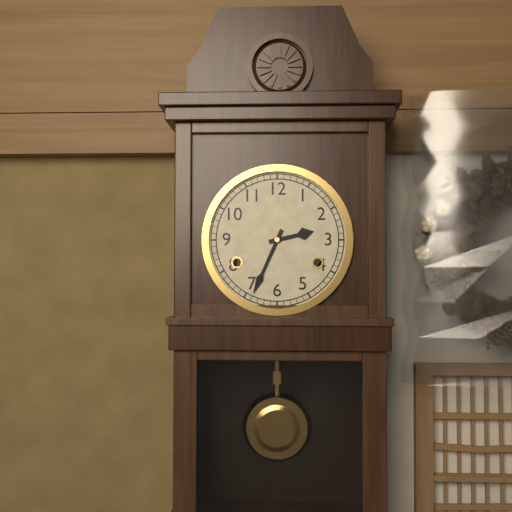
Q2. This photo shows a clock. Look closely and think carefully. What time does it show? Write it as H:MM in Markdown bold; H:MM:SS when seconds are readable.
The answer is **2:34**
